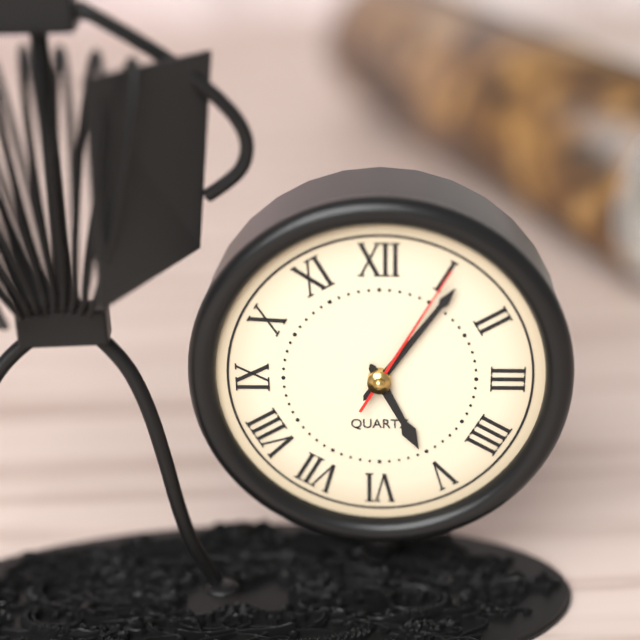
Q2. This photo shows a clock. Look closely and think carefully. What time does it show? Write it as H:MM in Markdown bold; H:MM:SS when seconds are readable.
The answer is **5:06:05**
